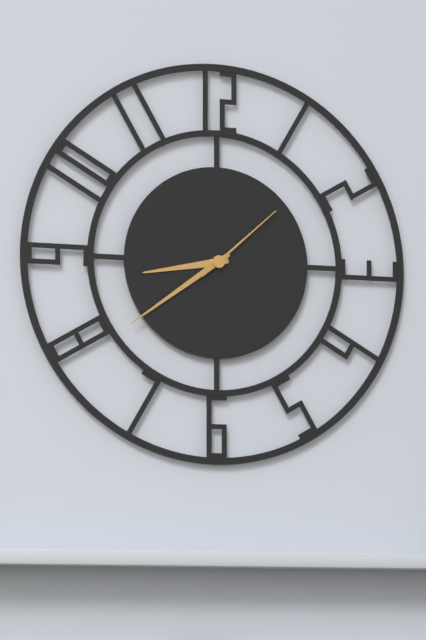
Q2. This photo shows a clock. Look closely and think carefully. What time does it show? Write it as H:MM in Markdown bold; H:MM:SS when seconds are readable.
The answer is **8:39:08**
